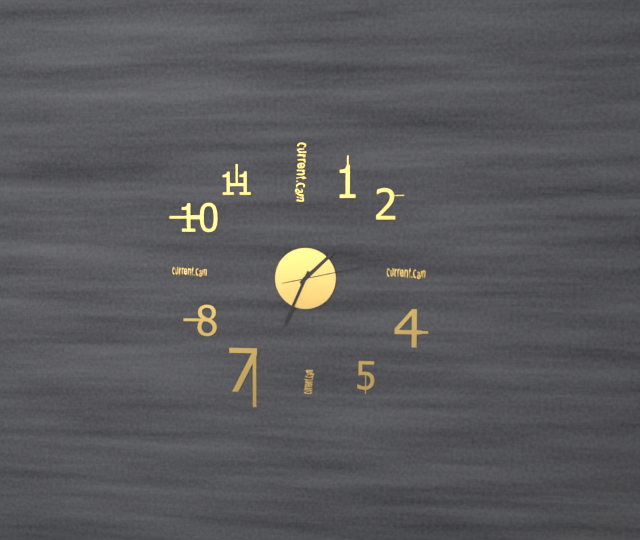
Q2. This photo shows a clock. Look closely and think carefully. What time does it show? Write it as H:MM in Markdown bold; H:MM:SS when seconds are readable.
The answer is **1:34:13**
